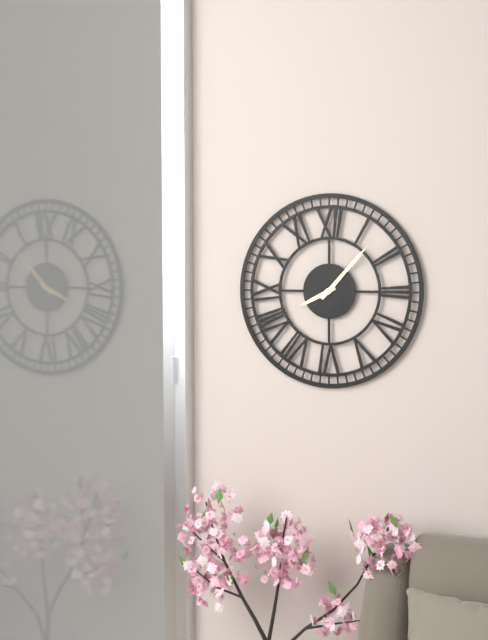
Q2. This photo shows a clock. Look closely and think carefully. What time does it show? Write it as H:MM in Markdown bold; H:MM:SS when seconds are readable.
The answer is **8:07**
